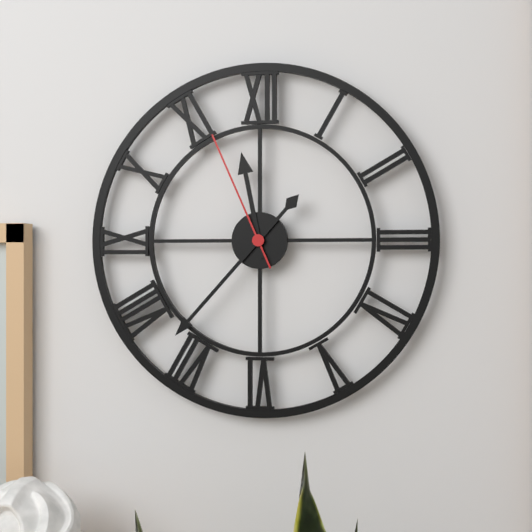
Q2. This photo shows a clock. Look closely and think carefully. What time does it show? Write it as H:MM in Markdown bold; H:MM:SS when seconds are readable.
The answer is **11:37:56**
